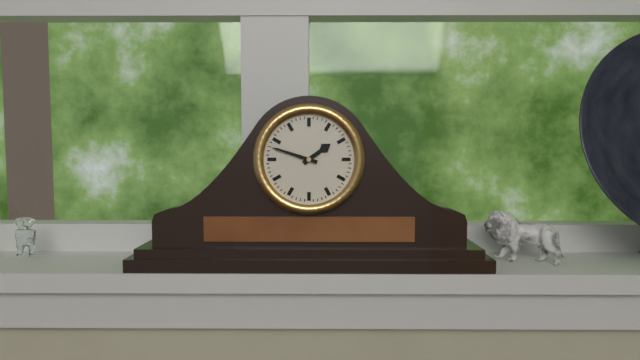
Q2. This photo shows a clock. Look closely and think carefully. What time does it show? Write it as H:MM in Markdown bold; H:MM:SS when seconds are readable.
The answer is **1:48**
